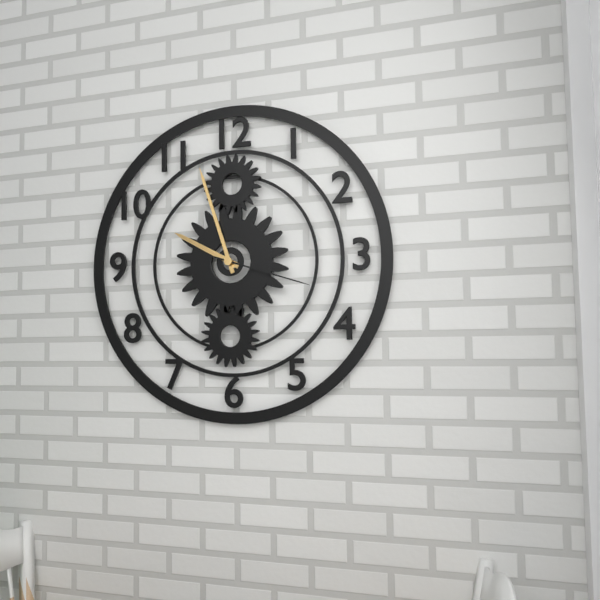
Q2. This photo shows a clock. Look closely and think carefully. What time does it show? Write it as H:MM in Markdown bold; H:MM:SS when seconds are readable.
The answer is **9:57:18**
